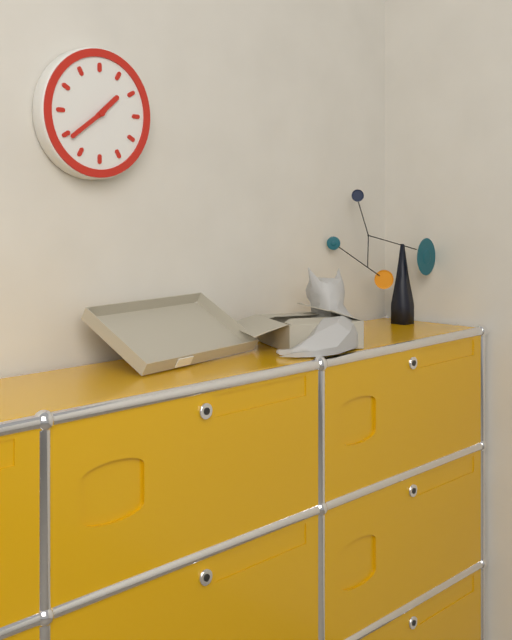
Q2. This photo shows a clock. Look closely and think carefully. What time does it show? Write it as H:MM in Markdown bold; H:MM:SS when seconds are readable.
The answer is **1:39**
